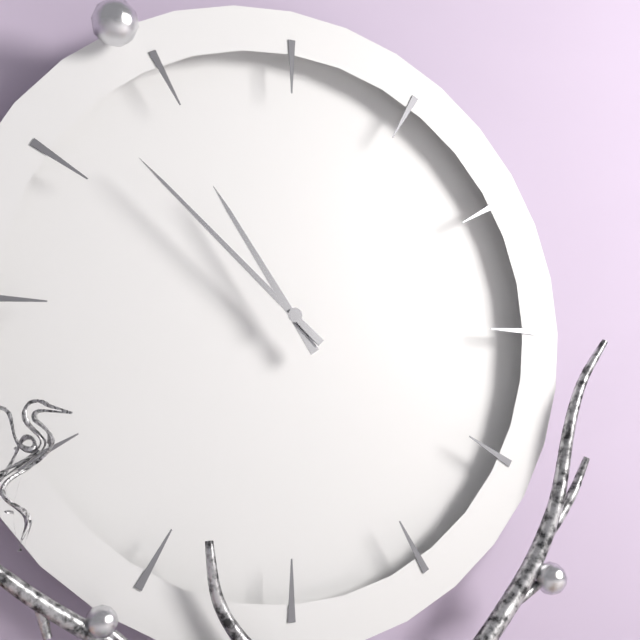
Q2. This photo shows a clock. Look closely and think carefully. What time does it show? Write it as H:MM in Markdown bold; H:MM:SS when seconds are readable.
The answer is **10:52**
